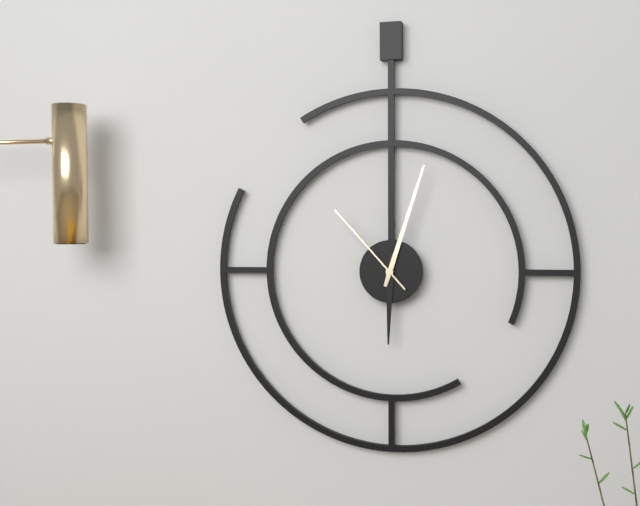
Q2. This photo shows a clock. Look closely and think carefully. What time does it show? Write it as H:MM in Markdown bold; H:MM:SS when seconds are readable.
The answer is **6:03:53**
